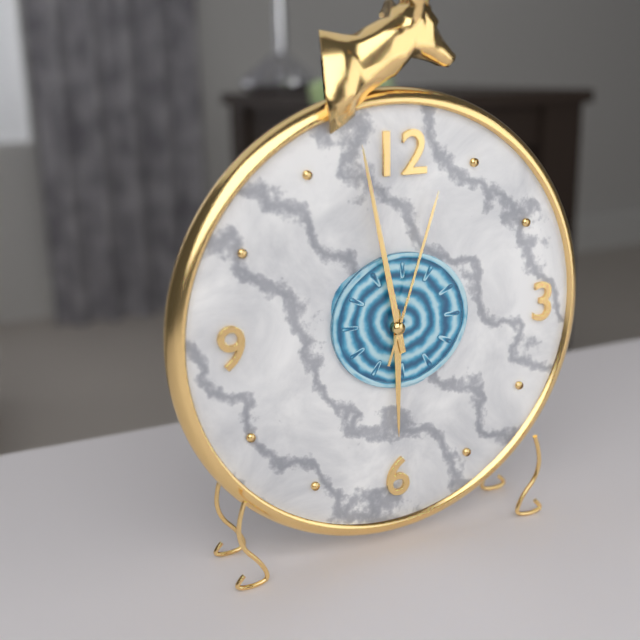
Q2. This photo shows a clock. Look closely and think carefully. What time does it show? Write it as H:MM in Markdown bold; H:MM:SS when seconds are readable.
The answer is **5:58:03**
